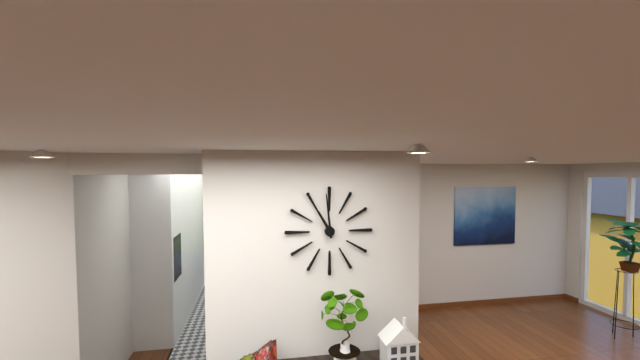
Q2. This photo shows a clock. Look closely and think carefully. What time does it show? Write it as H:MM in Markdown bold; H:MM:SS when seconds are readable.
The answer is **10:59**
